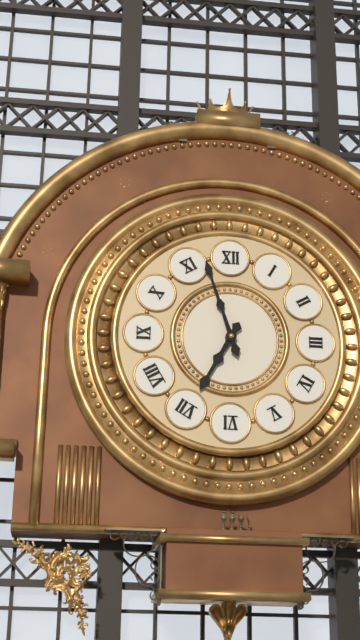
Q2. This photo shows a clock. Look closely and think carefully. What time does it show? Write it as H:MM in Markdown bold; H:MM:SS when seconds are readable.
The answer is **6:57**
